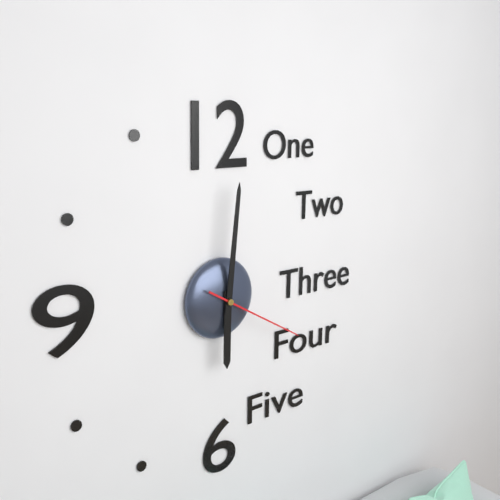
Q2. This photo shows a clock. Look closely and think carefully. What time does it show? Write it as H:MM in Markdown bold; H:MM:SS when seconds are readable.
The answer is **6:01:20**
